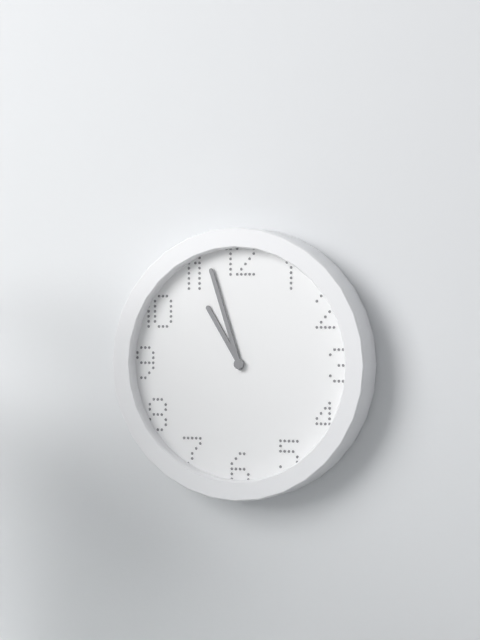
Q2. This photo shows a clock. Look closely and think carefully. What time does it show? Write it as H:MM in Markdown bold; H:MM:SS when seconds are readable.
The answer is **10:57**
